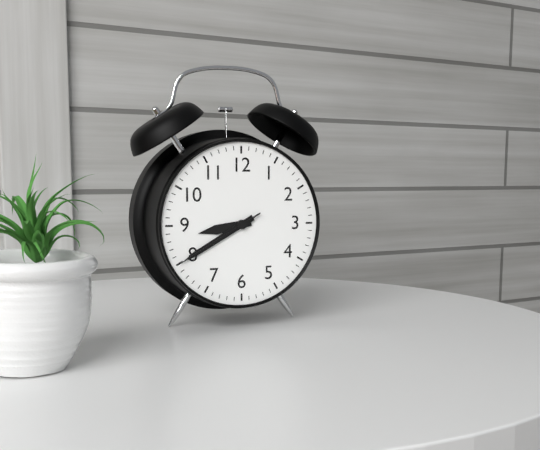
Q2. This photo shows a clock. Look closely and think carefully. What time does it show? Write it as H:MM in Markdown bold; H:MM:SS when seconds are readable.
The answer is **8:40:40**
